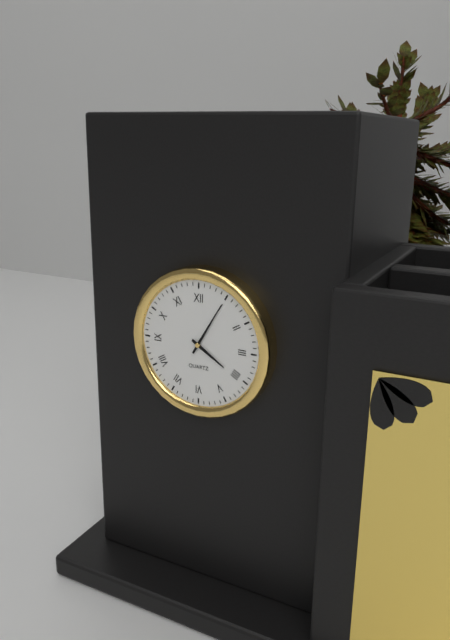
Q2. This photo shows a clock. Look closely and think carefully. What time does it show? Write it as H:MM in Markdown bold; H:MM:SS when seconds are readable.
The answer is **4:05**
